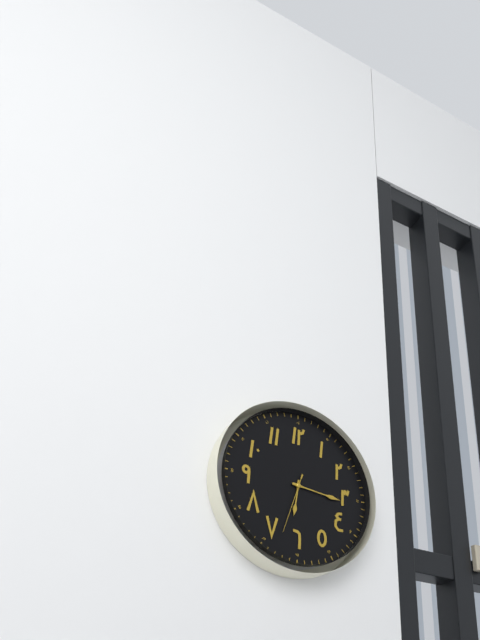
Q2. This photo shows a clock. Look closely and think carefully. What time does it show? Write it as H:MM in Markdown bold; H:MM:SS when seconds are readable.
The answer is **6:16:33**
